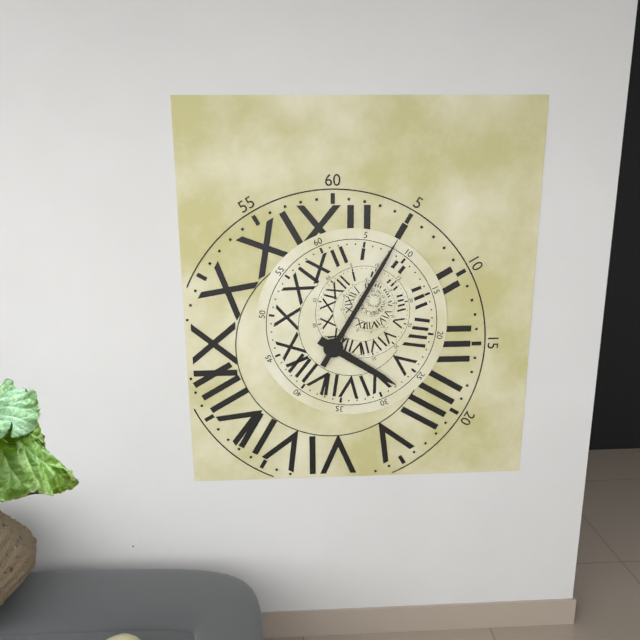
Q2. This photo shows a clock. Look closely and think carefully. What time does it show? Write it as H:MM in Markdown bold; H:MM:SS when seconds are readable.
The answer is **4:05**
